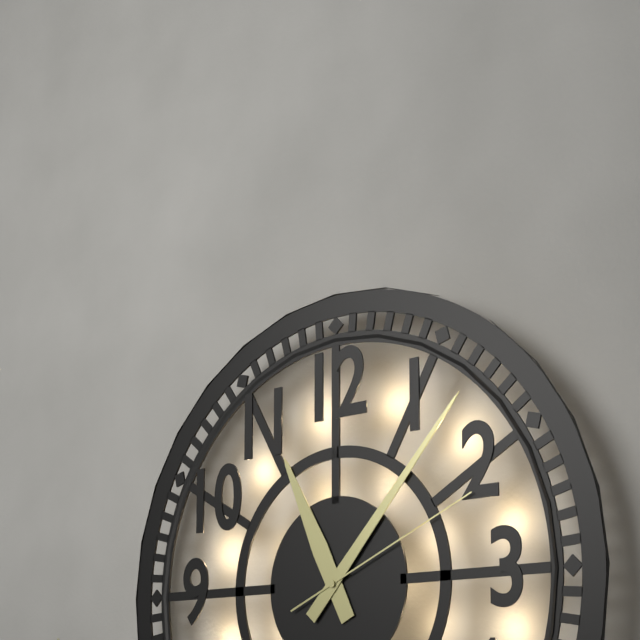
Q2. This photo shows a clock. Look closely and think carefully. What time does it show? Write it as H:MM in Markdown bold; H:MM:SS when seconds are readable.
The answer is **11:07:11**
